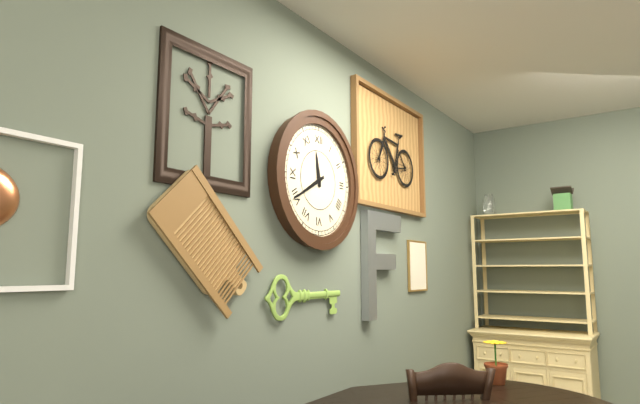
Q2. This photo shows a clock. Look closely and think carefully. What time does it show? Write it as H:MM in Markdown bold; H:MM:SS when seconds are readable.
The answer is **11:40**
